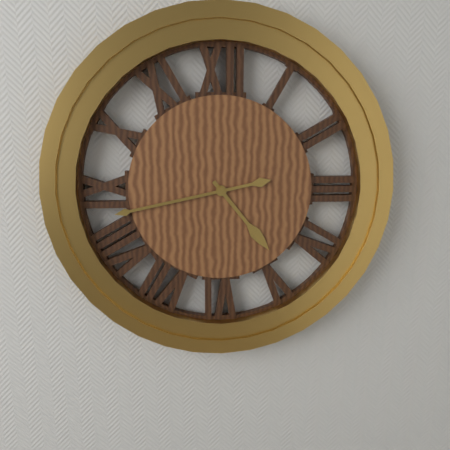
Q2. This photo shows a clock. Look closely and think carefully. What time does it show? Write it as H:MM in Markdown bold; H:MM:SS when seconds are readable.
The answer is **4:43**
